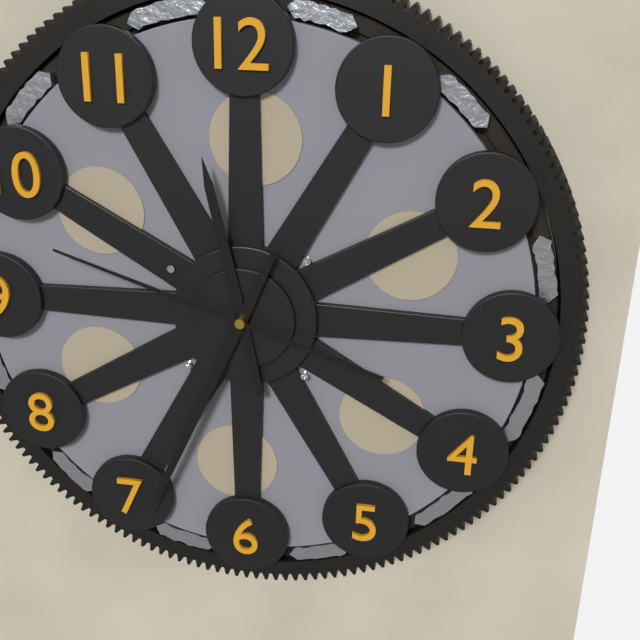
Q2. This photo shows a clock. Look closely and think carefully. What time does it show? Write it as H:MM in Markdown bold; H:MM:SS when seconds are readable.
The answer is **11:34:48**
